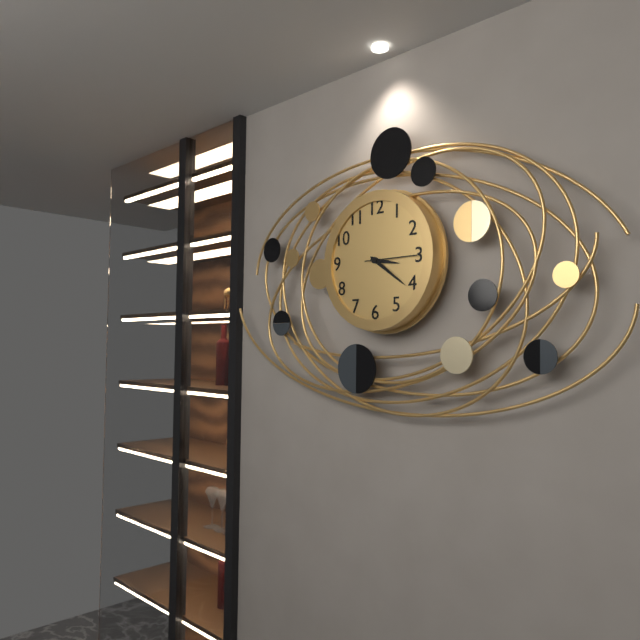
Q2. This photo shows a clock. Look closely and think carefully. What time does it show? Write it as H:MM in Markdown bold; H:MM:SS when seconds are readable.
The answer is **3:21:15**
